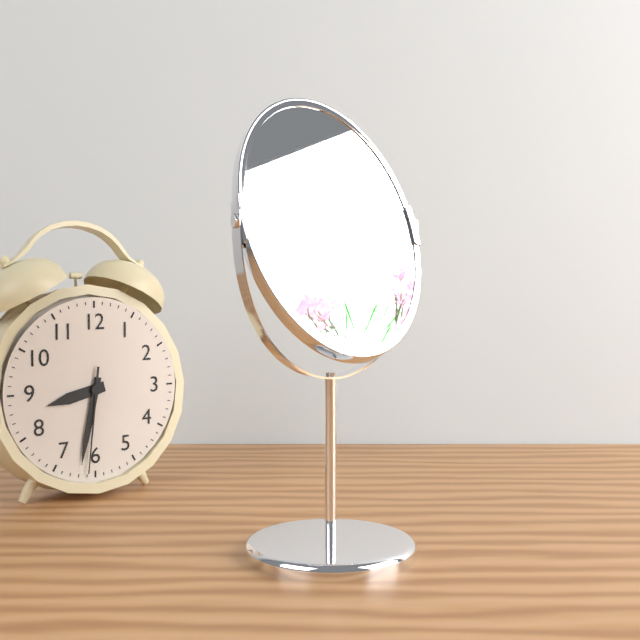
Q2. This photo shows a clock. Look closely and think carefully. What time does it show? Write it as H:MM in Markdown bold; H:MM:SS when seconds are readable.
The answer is **8:32:31**
